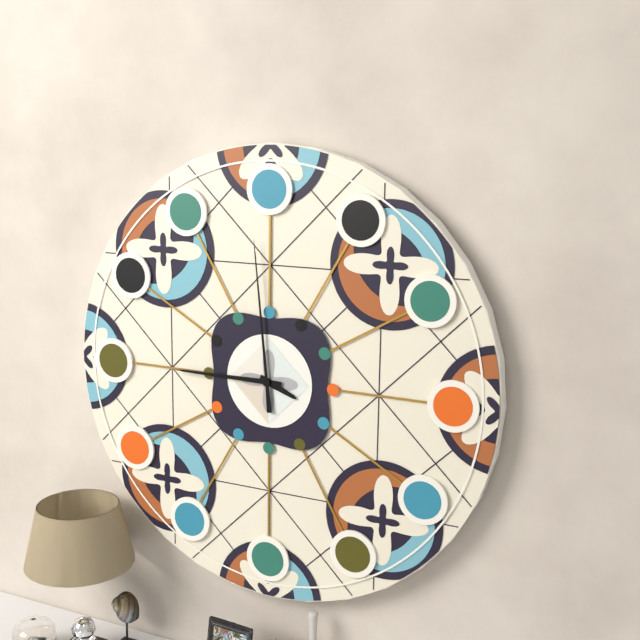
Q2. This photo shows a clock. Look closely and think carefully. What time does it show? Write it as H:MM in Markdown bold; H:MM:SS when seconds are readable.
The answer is **3:45:59**
